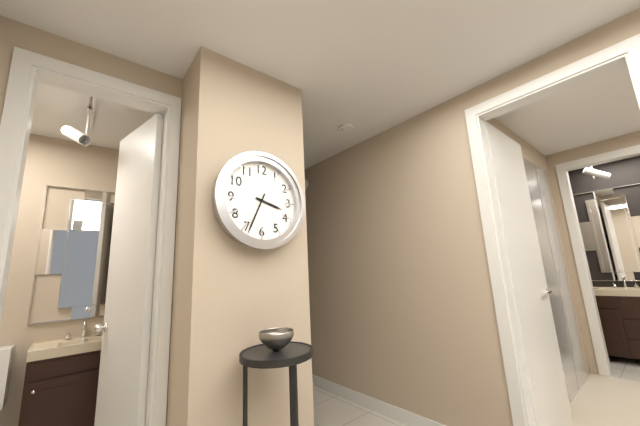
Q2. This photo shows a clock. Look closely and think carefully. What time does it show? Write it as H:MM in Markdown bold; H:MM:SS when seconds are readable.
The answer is **3:34**
